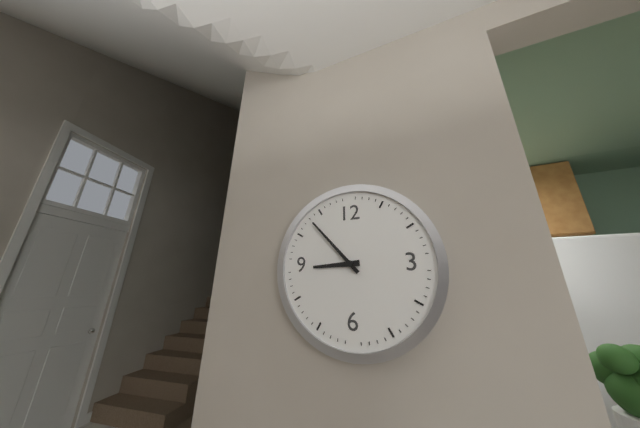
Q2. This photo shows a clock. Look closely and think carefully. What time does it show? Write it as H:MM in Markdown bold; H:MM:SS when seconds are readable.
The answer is **8:53**
